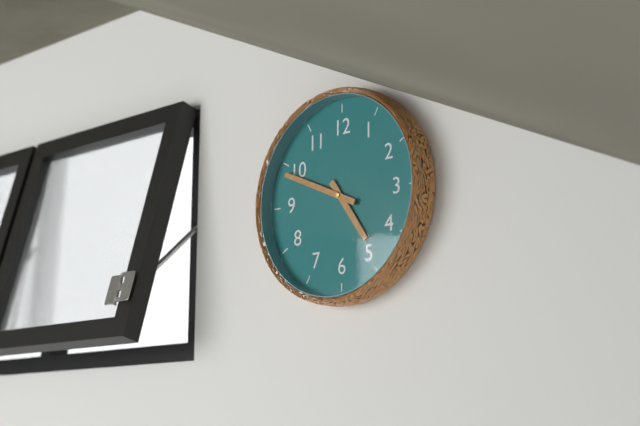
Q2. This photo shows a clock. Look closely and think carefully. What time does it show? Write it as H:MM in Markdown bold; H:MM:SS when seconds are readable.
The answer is **4:49**
